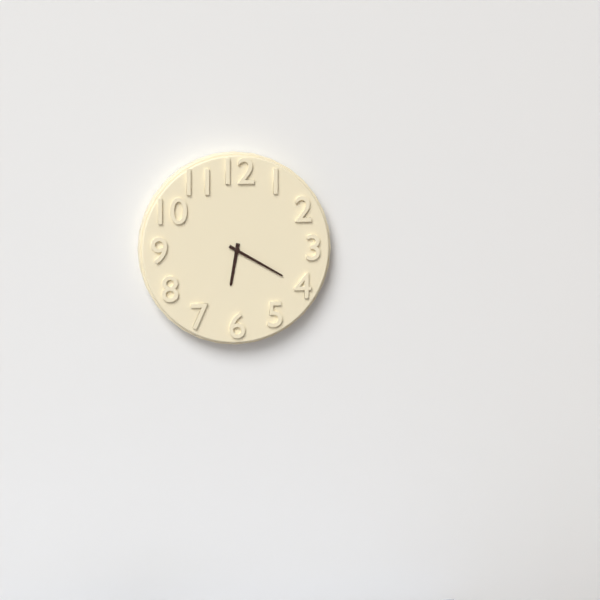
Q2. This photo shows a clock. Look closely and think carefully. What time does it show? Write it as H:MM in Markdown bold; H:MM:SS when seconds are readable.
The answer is **6:20**
